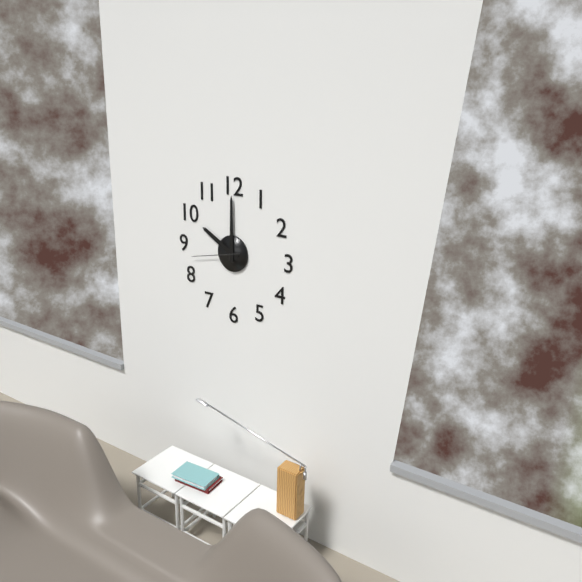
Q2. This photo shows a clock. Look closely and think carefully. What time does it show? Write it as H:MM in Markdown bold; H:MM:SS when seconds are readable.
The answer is **10:00:43**
